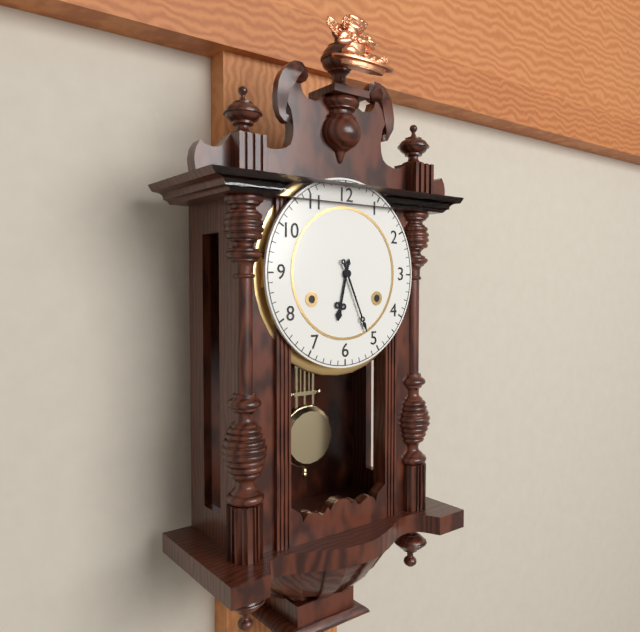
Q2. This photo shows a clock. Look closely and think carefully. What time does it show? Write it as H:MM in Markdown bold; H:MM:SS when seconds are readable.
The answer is **6:26**
